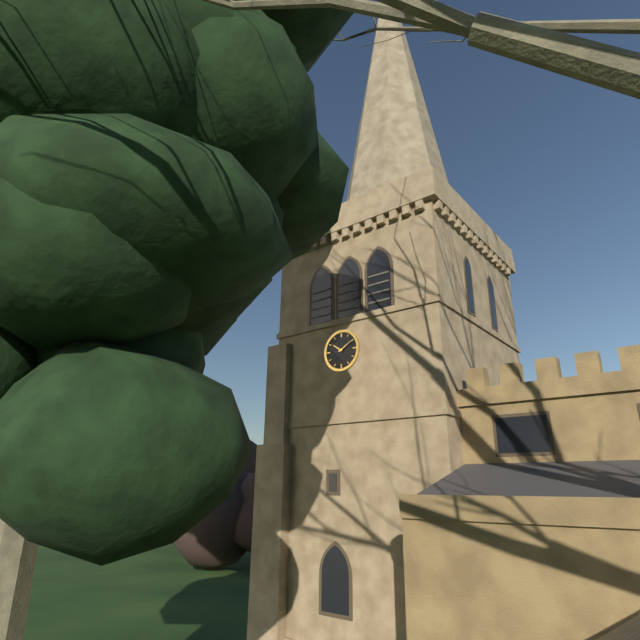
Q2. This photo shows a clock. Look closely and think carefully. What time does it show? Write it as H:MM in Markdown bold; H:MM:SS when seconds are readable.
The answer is **10:10**
